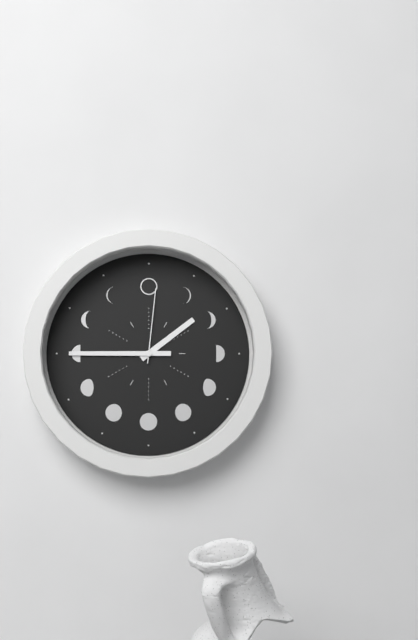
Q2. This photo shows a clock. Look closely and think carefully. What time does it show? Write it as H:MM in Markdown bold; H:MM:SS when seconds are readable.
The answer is **1:45:01**
